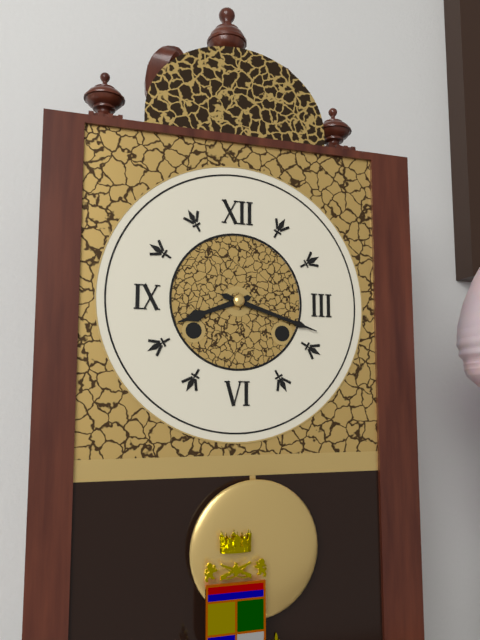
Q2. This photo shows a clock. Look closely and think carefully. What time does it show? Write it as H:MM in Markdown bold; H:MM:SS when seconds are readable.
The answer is **8:18**
